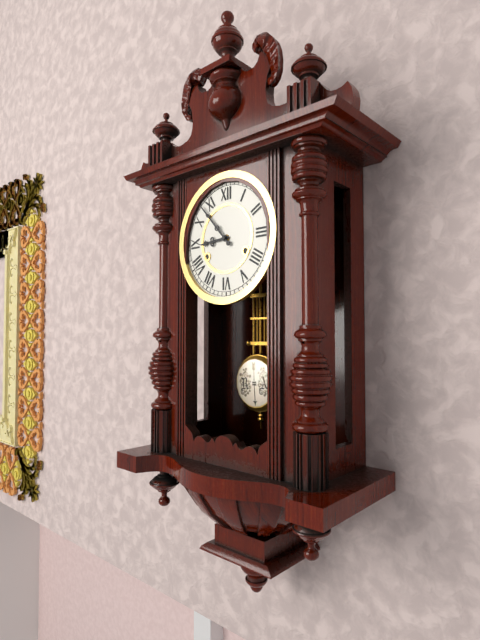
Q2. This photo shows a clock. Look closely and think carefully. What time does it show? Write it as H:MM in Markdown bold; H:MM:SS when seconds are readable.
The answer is **8:53**
